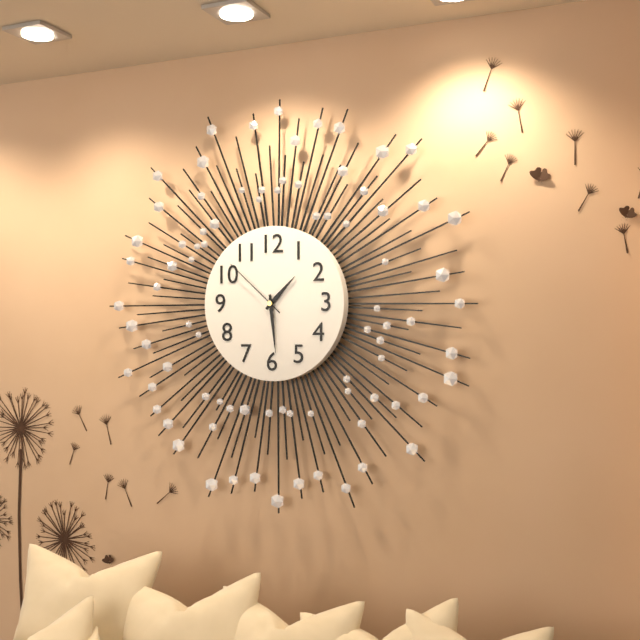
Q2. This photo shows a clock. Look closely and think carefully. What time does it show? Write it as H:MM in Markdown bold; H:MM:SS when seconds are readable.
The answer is **1:29:52**
